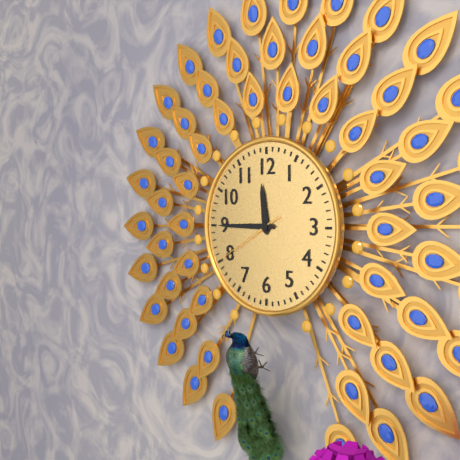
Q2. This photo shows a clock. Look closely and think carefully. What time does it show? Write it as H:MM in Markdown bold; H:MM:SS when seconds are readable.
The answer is **11:45:40**
